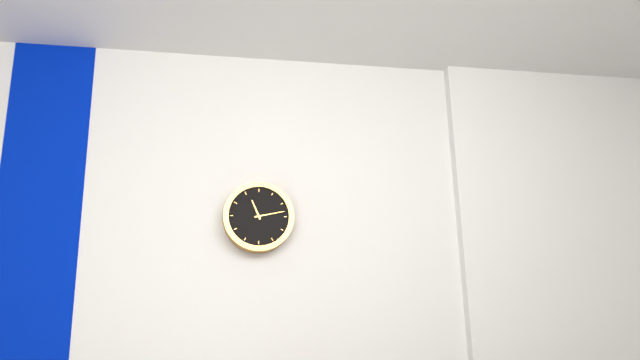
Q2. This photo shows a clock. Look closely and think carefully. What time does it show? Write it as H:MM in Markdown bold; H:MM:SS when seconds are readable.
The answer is **11:13**
